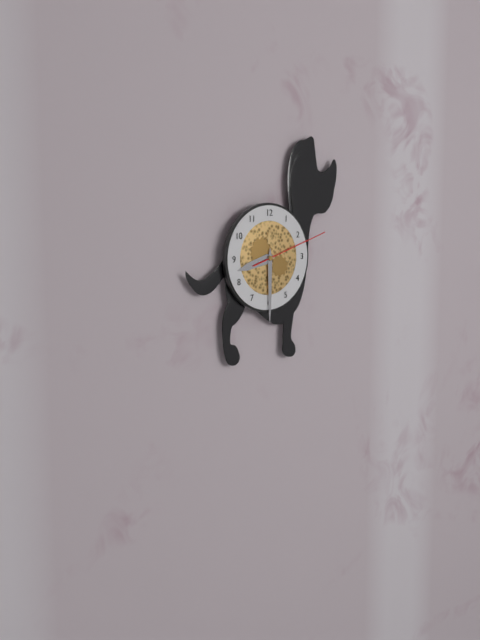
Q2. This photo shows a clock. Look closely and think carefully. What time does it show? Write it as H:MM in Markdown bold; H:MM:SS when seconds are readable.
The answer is **8:30:12**
